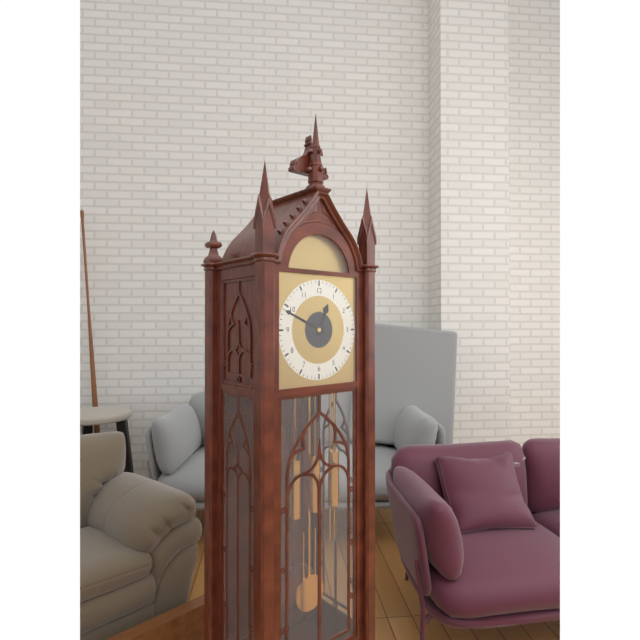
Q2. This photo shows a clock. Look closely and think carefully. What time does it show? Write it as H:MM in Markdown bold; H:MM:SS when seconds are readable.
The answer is **12:49**
